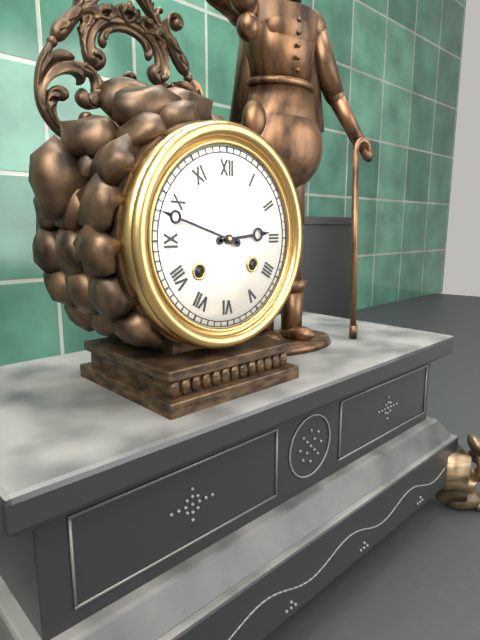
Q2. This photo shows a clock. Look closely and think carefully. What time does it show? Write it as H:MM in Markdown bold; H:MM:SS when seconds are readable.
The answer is **2:48**
